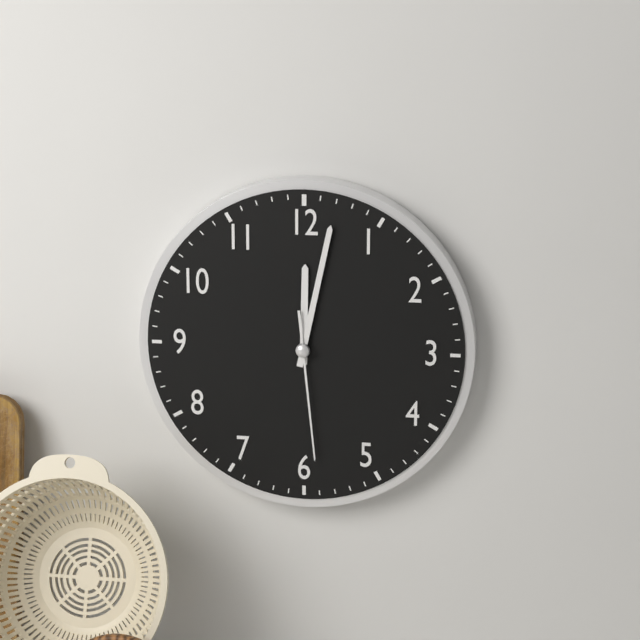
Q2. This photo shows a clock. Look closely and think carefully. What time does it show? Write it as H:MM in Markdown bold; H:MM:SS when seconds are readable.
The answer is **12:02:29**
